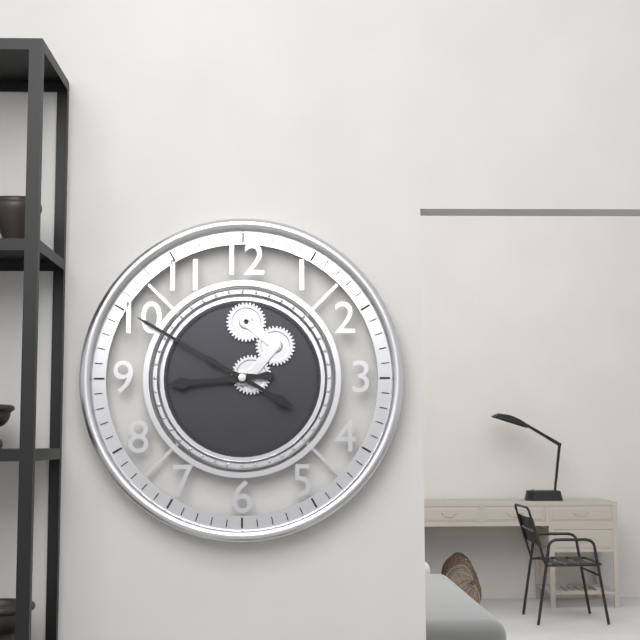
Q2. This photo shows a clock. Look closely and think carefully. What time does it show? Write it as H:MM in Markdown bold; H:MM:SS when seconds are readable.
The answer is **8:50**
